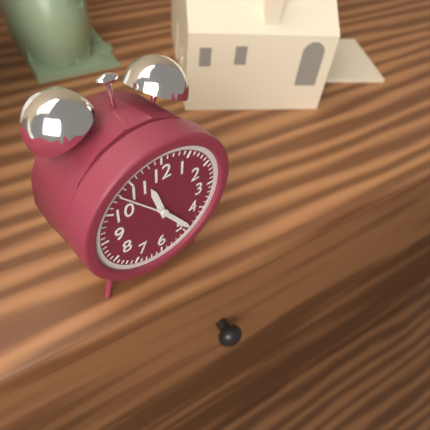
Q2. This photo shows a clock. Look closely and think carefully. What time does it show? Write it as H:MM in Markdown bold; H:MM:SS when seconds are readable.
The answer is **11:24:53**
